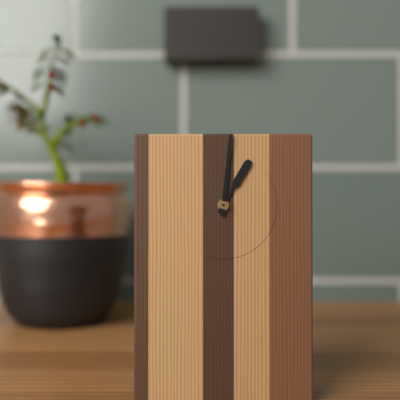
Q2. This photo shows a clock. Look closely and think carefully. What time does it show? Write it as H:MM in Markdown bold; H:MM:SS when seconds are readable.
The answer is **1:01**
